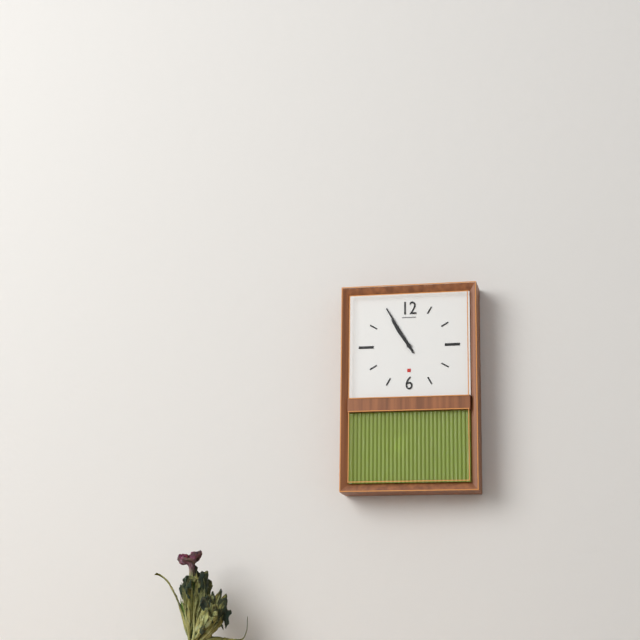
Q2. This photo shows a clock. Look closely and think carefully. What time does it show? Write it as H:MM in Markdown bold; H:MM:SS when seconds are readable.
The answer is **10:55**
